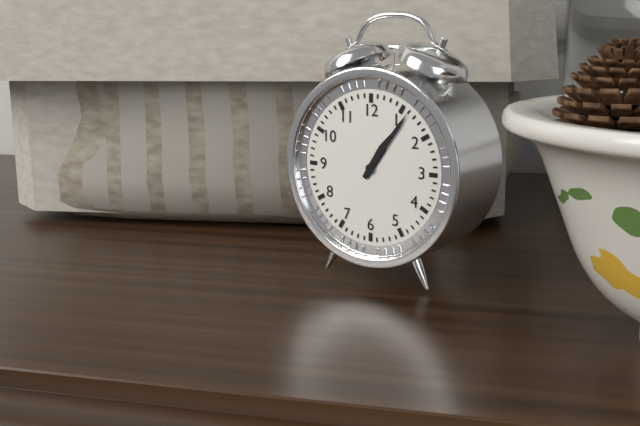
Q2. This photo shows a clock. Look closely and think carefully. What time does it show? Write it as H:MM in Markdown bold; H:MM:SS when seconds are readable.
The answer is **1:06**
